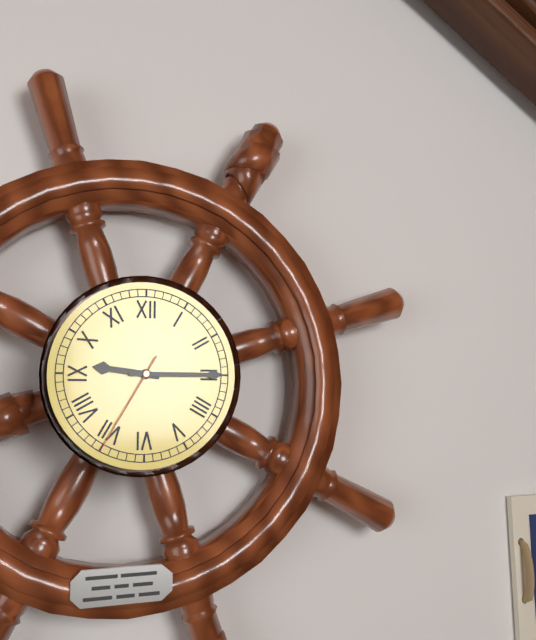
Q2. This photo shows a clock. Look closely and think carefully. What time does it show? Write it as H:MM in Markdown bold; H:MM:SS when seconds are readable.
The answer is **9:15:35**
